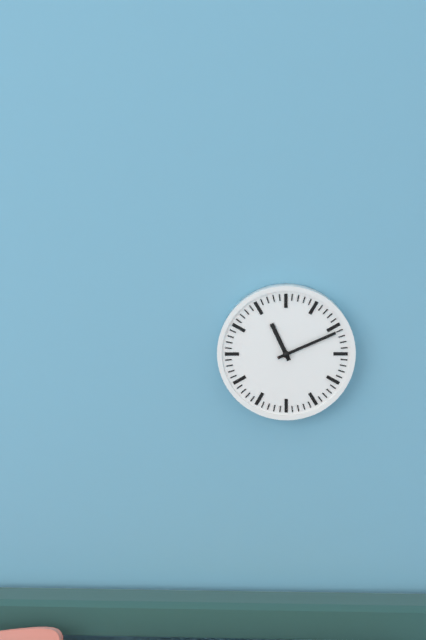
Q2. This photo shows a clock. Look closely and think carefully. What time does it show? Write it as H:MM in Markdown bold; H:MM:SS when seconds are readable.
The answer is **11:11**
